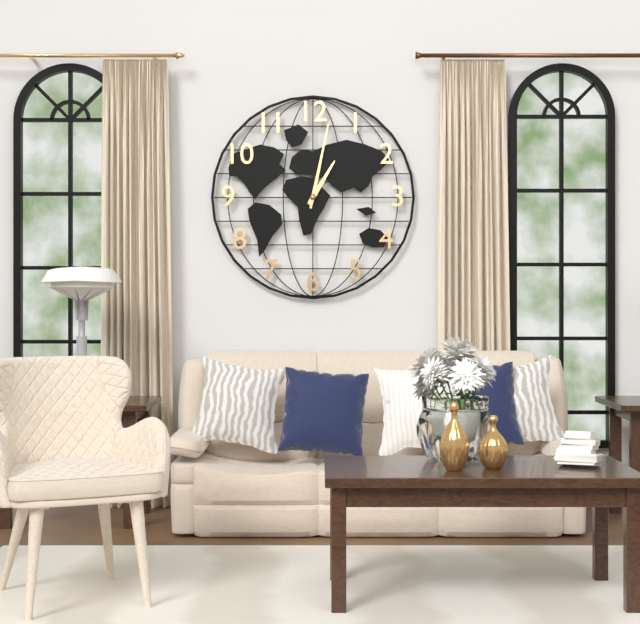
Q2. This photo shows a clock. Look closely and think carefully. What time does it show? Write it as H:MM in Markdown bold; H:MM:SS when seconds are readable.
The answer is **1:02**
